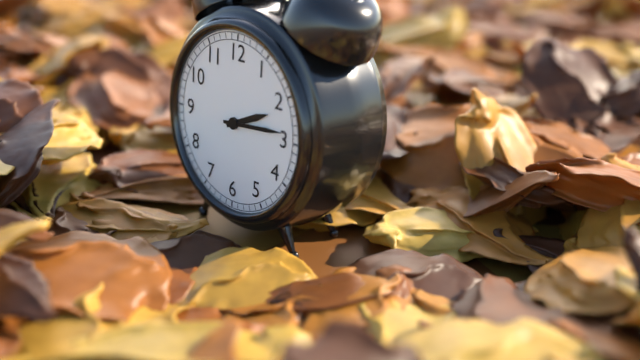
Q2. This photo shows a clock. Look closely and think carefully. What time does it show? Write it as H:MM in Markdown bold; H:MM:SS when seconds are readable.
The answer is **2:14**
